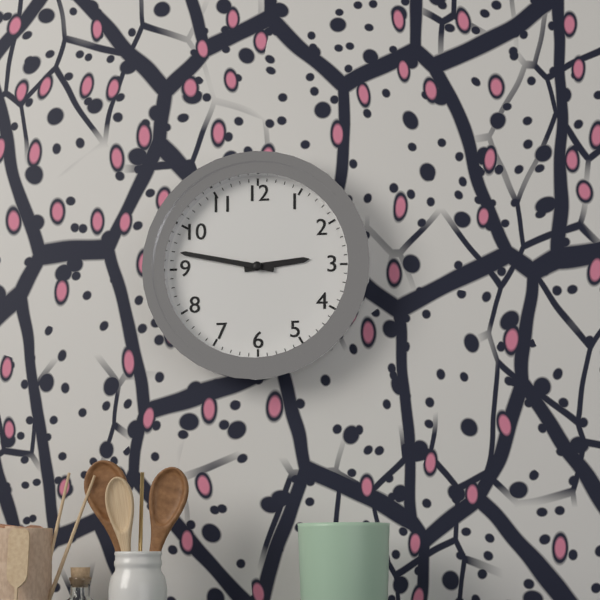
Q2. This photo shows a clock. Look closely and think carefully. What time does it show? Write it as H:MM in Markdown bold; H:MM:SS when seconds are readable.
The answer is **2:47**
